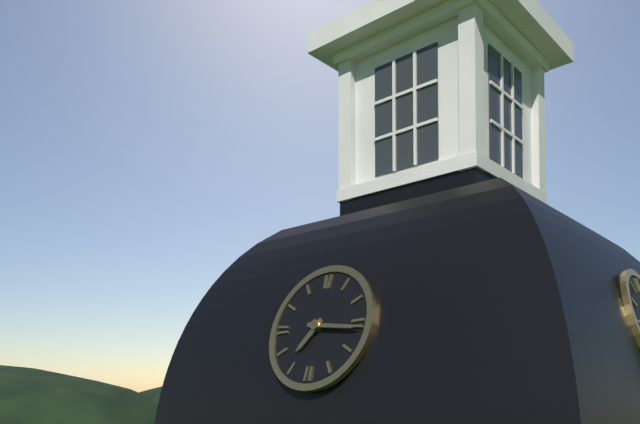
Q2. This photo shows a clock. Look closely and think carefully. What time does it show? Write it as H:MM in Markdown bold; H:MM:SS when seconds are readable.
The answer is **7:16**
